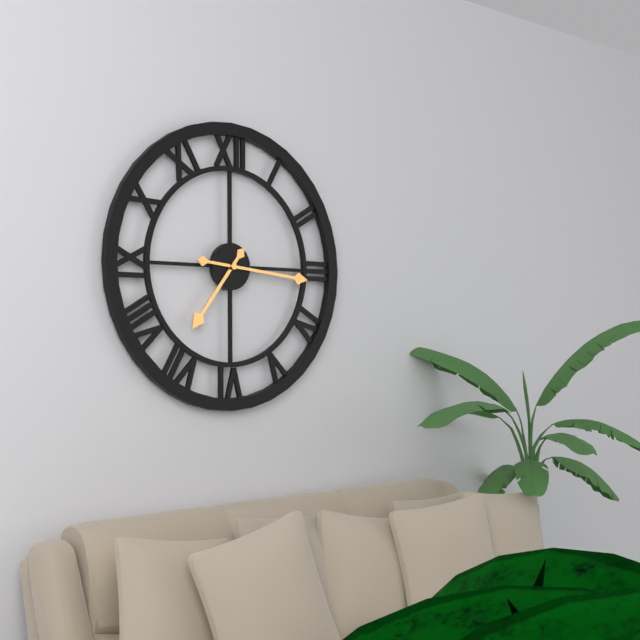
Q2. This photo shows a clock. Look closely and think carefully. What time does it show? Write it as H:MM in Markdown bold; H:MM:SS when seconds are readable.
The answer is **7:16**
